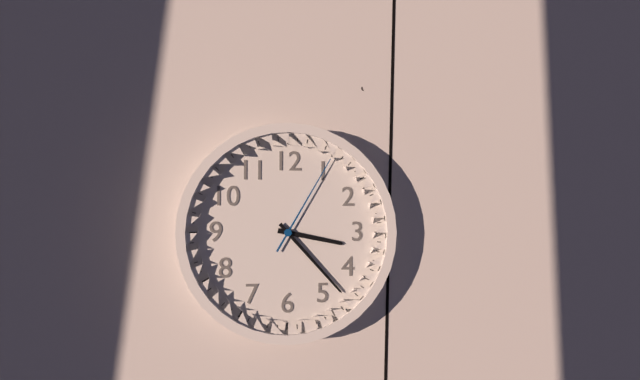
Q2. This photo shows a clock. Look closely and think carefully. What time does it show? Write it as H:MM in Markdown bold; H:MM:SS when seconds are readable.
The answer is **3:23:05**
